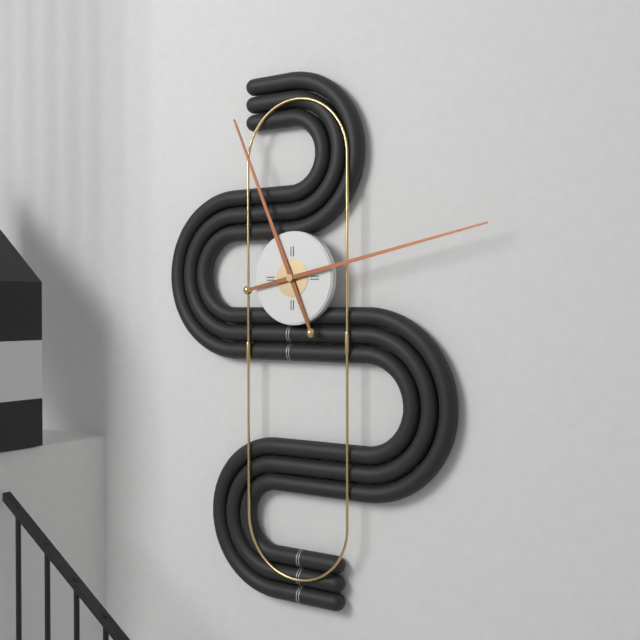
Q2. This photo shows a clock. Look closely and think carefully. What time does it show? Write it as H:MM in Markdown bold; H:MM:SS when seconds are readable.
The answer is **11:13**
